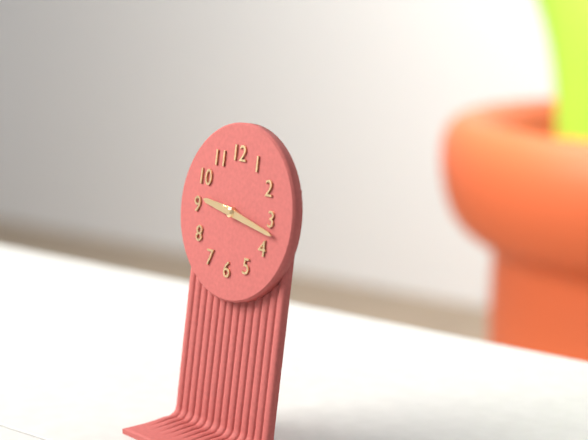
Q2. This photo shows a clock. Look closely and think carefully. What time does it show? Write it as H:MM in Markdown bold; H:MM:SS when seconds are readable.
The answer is **9:17**
